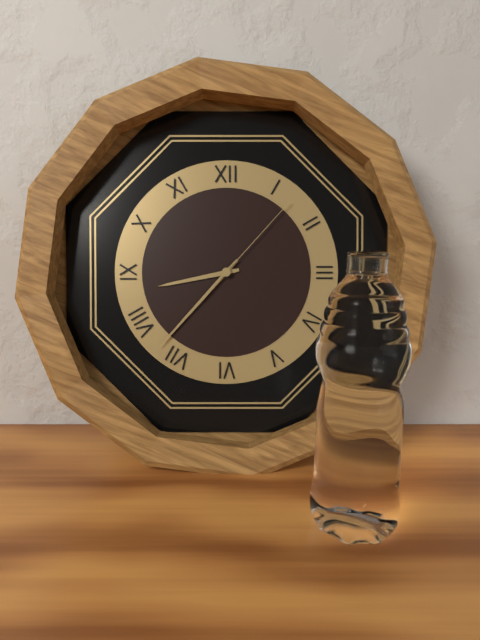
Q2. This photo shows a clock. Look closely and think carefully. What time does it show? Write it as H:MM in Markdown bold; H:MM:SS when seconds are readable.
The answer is **8:37:07**
